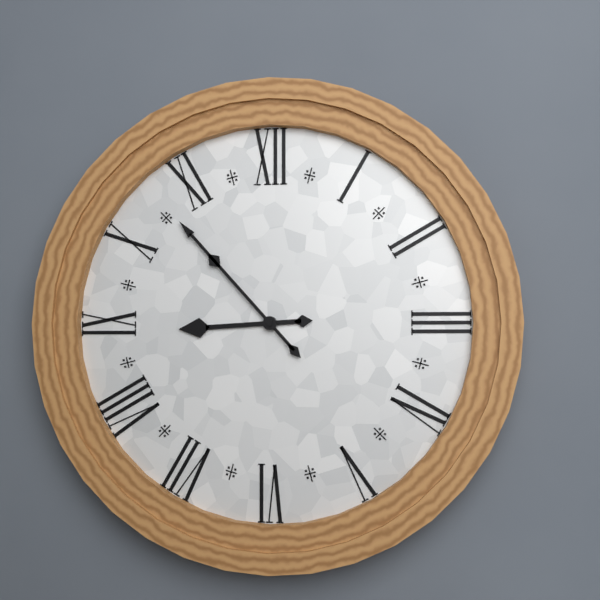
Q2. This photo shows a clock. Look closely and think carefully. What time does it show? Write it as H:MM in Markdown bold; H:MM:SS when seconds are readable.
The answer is **8:53**
